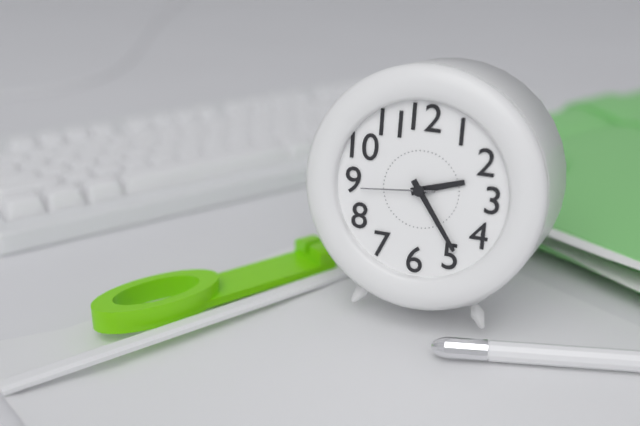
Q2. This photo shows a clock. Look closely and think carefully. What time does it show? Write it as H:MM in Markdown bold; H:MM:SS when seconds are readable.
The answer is **2:24:44**
